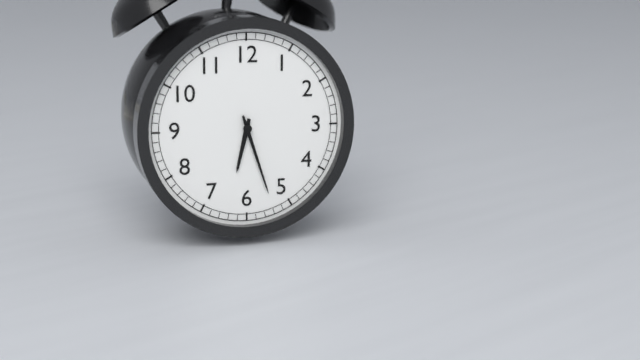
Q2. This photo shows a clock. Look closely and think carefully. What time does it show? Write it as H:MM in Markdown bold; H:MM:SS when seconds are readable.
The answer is **6:27**
